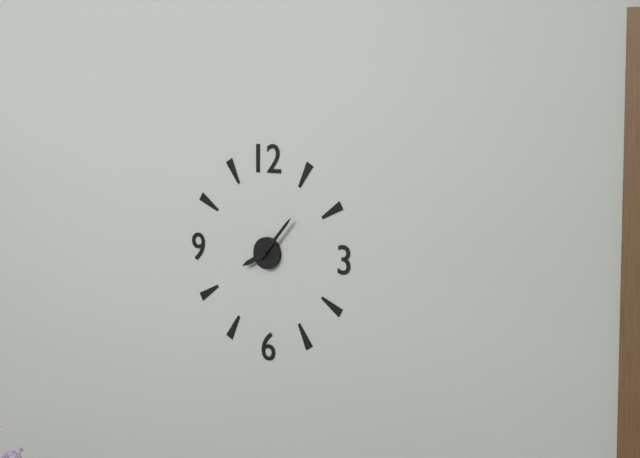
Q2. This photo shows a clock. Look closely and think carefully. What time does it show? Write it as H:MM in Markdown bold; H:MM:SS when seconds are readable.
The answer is **8:07**
